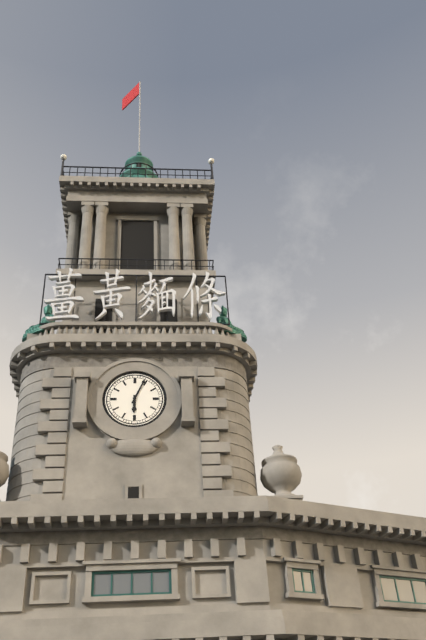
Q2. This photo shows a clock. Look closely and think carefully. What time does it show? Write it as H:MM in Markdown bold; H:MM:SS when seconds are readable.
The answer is **6:04**
